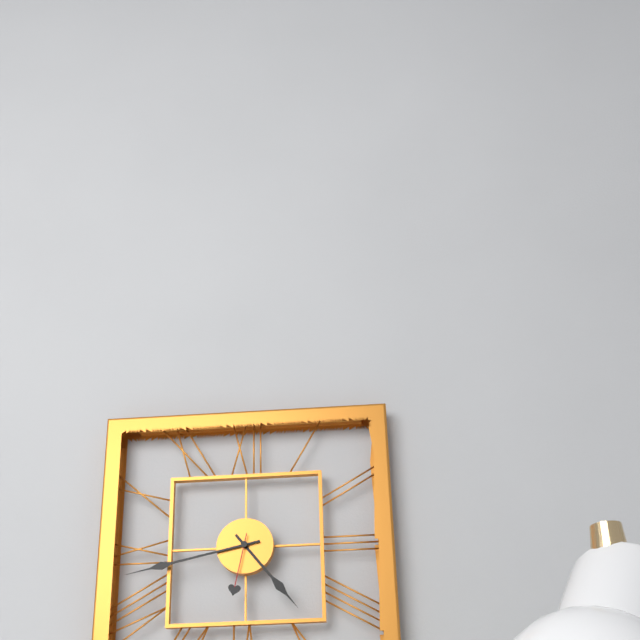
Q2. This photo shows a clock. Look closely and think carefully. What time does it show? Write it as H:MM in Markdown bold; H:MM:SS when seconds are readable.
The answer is **4:43:32**
